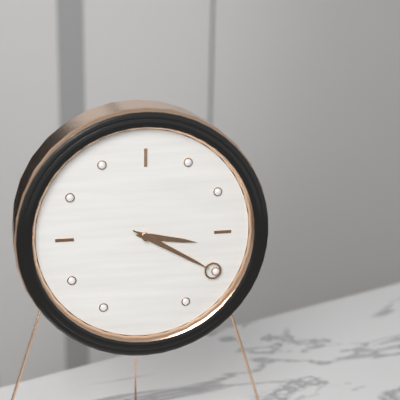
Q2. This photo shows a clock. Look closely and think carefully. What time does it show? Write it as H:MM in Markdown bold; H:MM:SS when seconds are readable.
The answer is **3:20:20**
